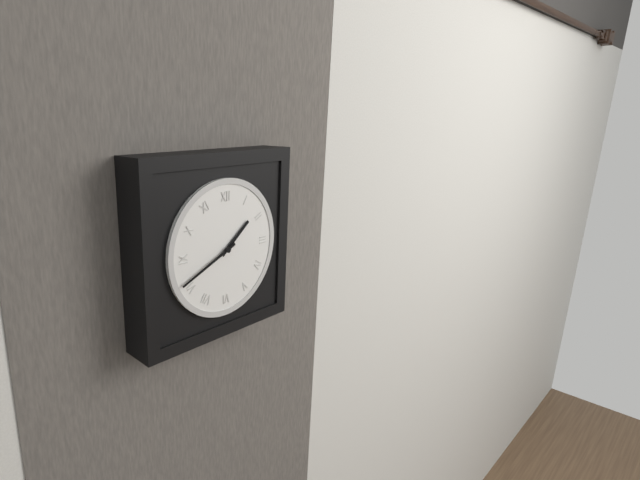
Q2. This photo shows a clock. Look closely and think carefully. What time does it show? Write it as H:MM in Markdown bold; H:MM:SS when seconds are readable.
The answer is **1:41**
